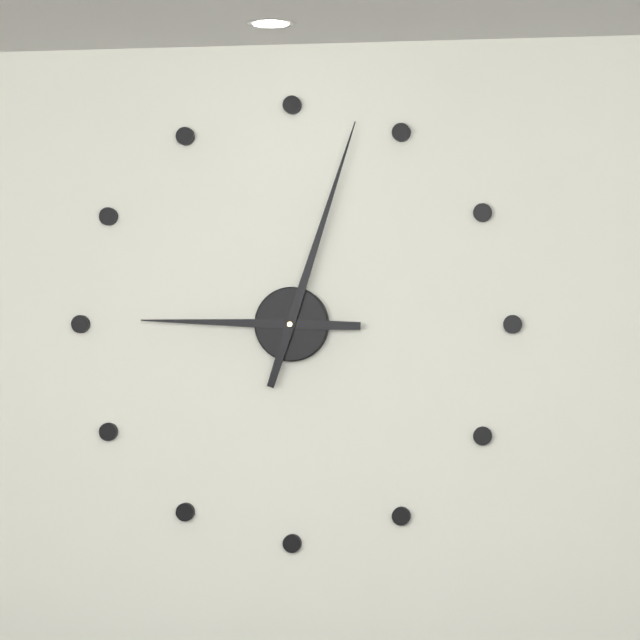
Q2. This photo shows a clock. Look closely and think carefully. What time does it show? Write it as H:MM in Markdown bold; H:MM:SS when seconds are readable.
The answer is **9:03**
